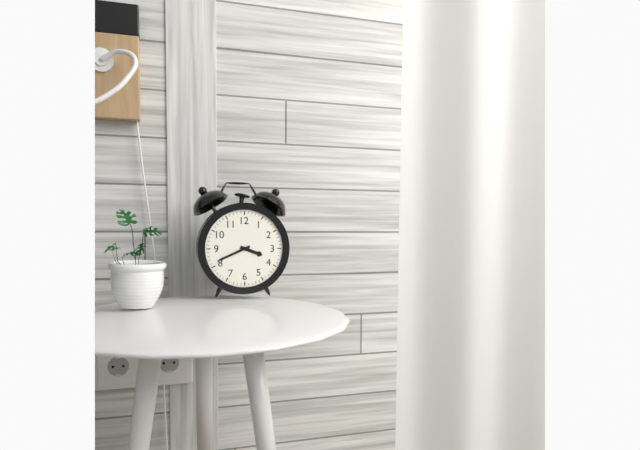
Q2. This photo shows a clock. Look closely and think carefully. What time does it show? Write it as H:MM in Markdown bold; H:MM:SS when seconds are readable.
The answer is **3:41**
